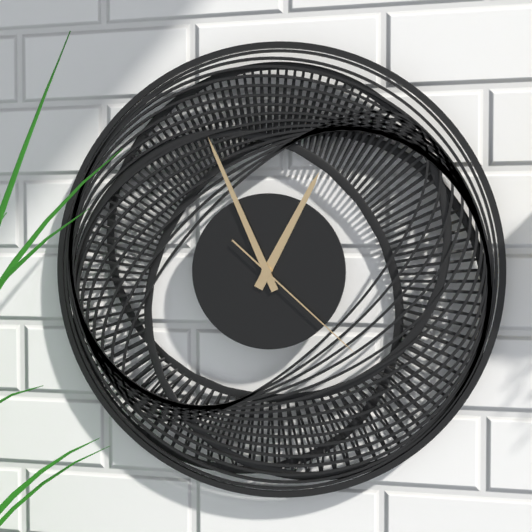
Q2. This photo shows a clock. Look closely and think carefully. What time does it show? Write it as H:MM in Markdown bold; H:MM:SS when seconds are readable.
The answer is **12:56:22**
